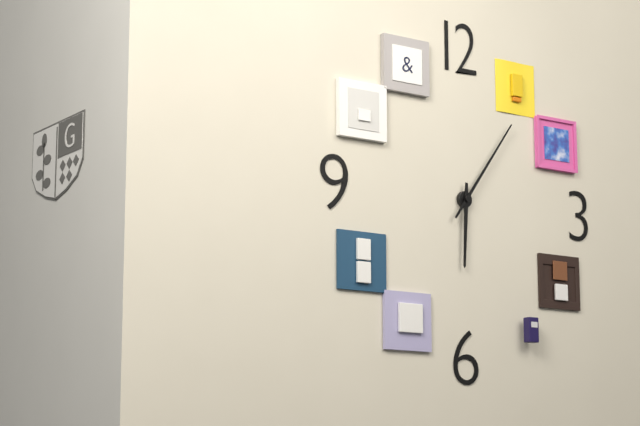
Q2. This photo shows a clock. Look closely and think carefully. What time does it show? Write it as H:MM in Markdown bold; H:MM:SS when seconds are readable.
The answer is **6:06**
